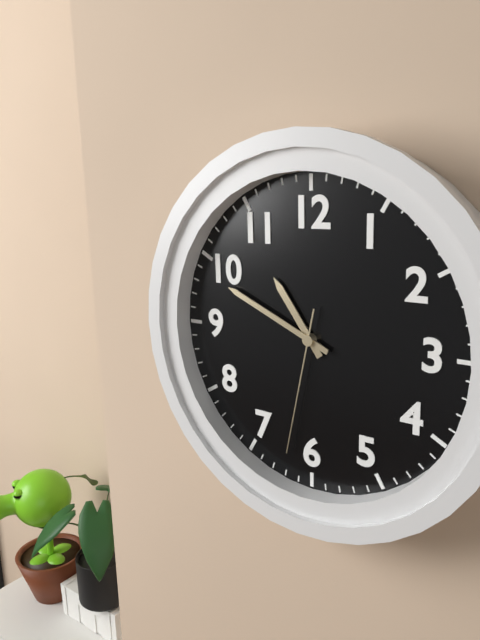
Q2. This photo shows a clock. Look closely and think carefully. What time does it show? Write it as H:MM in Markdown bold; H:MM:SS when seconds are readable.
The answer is **10:49:32**
